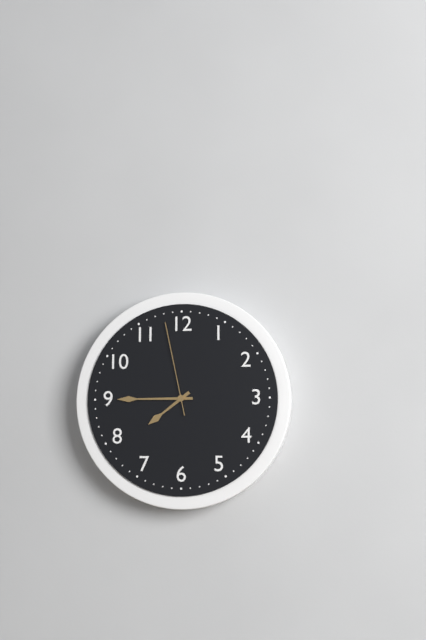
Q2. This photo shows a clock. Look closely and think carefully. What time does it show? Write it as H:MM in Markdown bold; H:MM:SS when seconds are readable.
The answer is **7:45:58**
